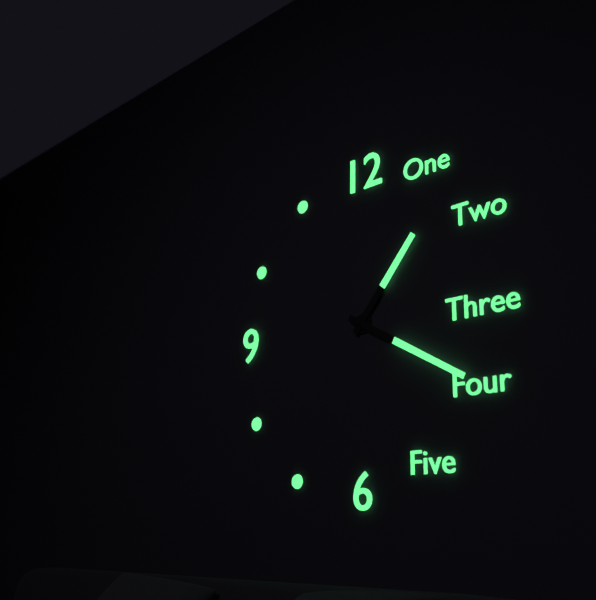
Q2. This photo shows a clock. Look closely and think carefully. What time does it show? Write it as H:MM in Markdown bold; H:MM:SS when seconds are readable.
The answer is **1:20**
